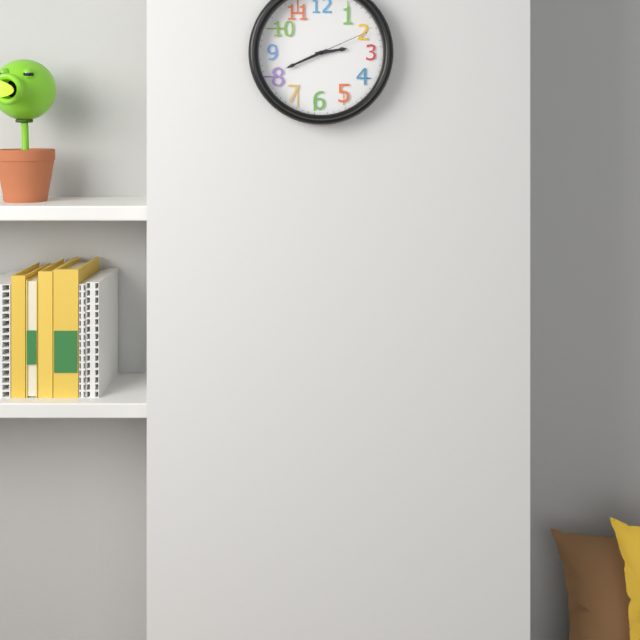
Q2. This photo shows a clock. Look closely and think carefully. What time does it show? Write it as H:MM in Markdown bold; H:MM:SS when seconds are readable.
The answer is **2:41:11**
